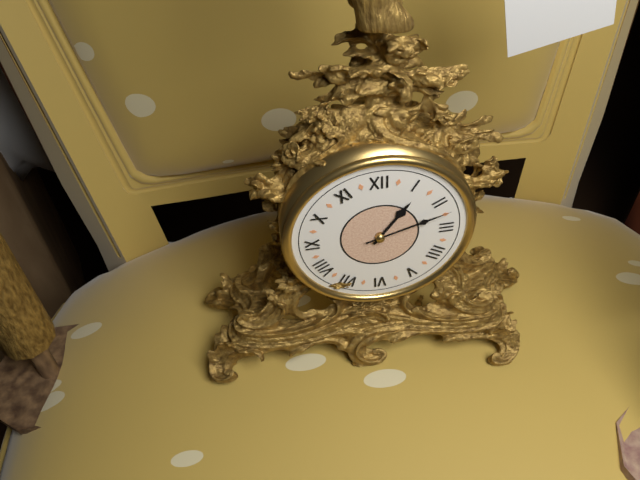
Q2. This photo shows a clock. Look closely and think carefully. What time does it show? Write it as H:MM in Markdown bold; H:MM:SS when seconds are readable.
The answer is **1:12**
